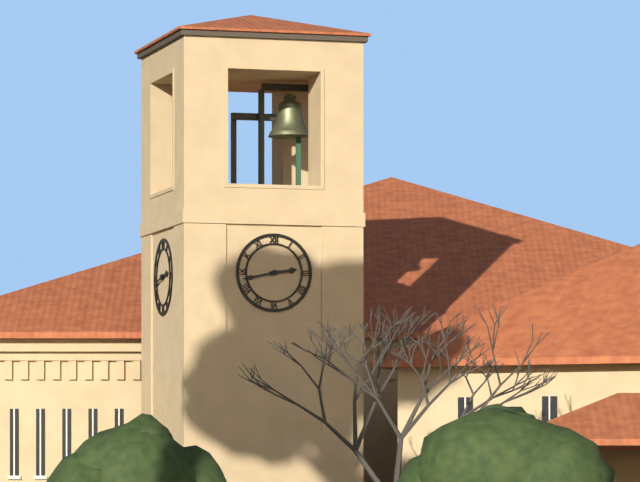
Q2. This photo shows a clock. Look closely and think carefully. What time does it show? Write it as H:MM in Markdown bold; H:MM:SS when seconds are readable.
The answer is **2:43**
